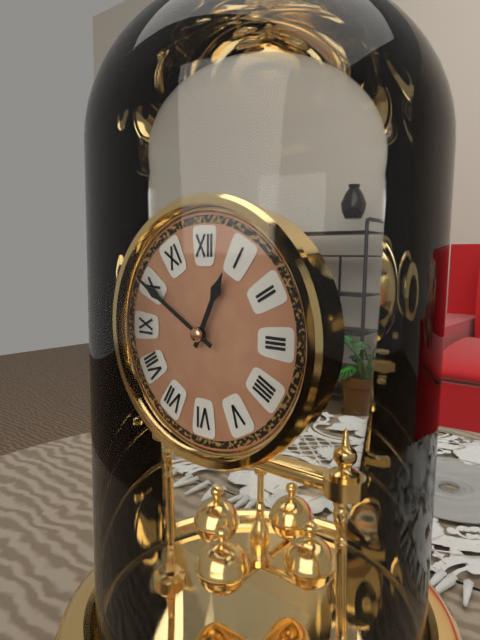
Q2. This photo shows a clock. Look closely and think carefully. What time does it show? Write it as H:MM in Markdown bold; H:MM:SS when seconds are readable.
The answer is **12:50**
